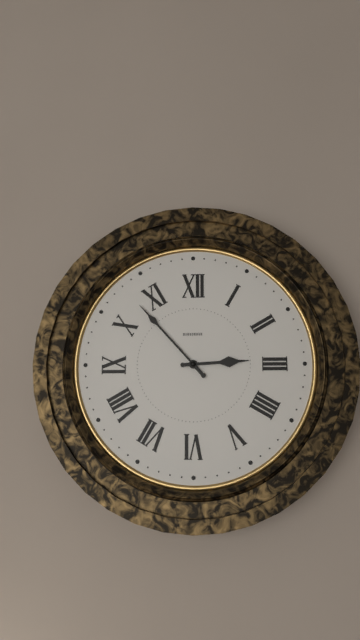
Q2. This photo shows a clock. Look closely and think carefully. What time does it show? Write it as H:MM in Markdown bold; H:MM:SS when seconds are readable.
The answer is **2:53**
